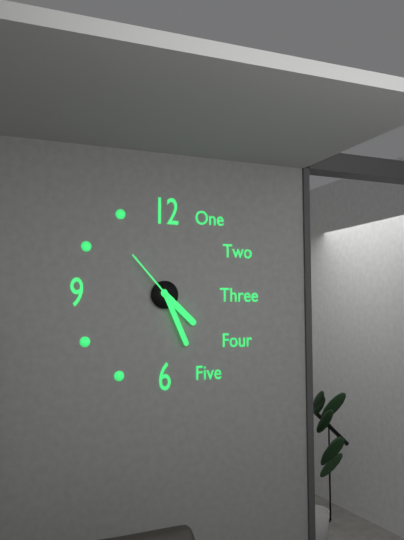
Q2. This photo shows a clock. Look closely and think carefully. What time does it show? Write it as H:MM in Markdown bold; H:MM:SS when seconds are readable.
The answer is **4:26:53**
